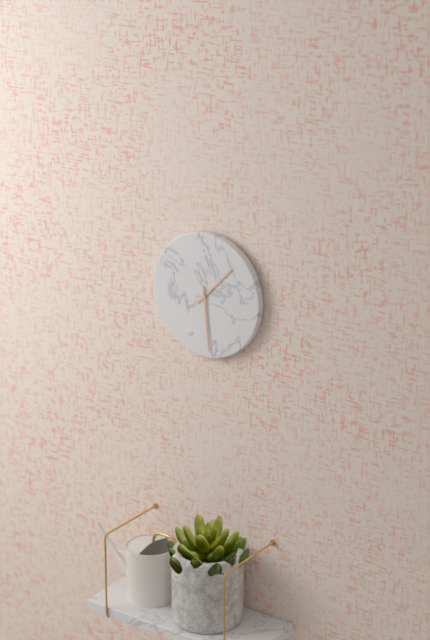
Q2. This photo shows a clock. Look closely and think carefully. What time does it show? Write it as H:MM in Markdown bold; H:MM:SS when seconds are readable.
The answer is **1:29**
